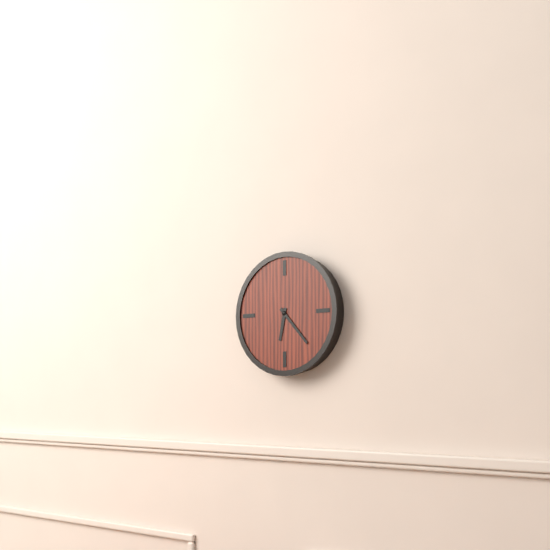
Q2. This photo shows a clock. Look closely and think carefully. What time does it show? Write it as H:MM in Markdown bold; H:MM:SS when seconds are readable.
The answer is **6:23**
